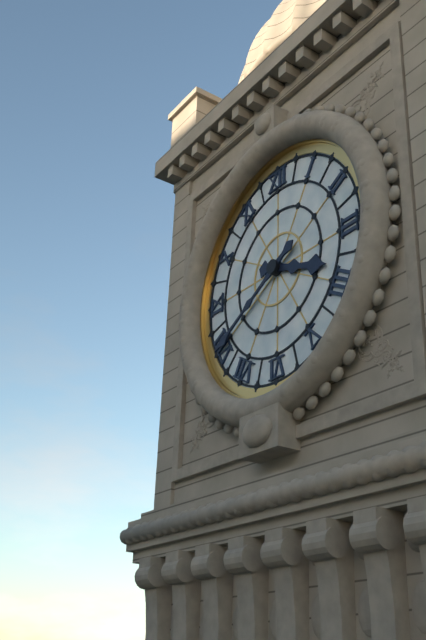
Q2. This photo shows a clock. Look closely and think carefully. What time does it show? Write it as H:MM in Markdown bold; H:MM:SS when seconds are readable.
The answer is **3:40**
